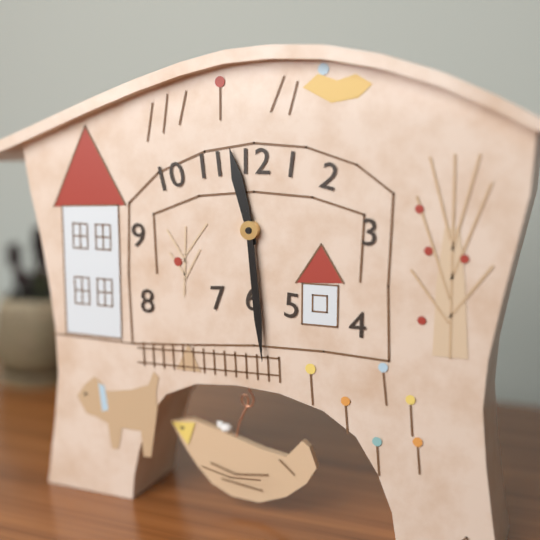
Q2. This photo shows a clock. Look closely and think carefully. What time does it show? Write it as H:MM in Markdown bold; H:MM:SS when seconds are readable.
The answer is **11:29**
